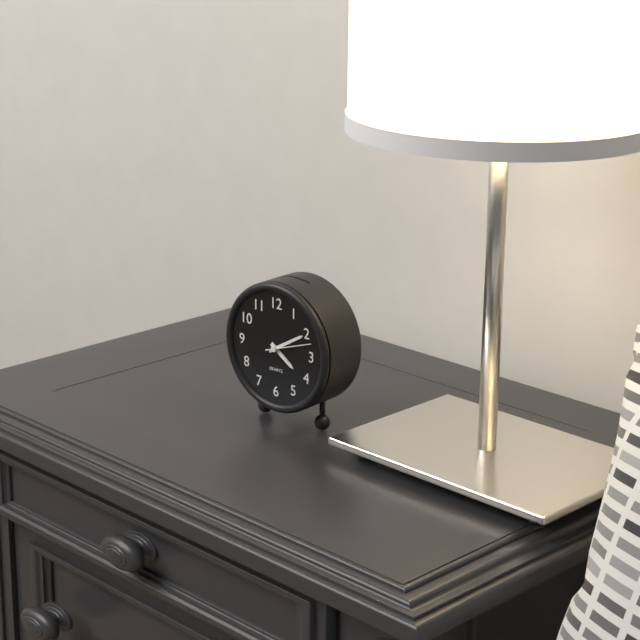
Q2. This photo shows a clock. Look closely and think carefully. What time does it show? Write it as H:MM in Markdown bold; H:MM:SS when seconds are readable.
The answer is **4:10**
